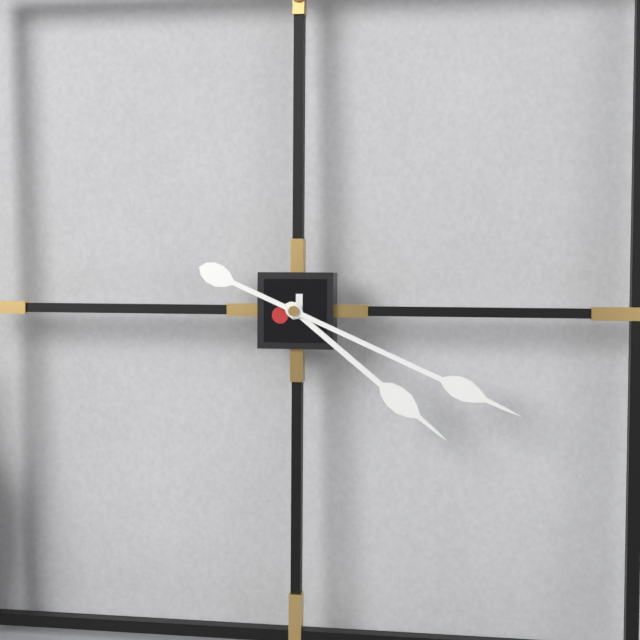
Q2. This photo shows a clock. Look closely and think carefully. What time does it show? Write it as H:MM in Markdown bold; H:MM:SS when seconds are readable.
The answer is **4:19**
